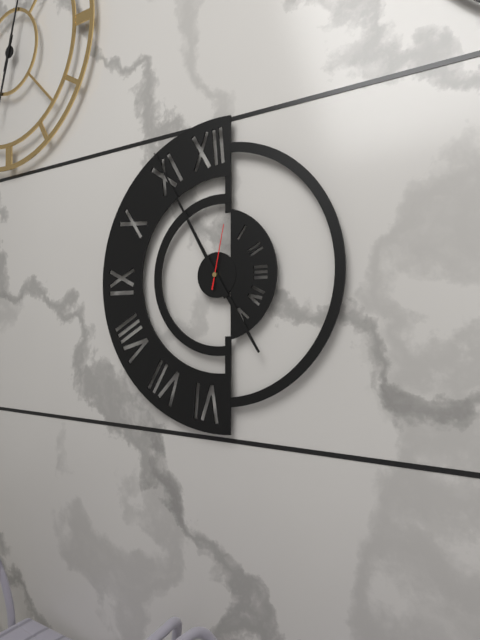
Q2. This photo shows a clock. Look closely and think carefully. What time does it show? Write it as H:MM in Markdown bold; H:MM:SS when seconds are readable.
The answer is **4:55:02**
